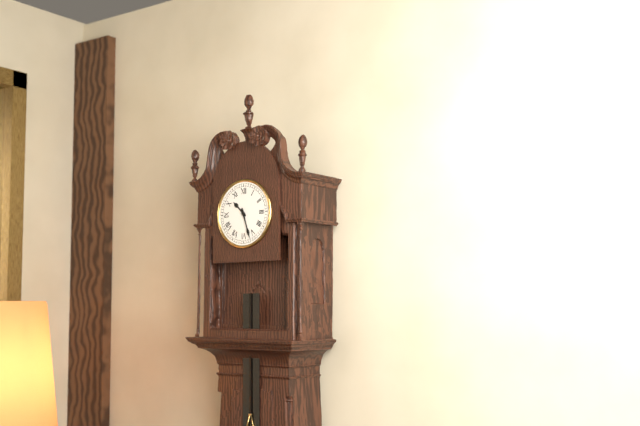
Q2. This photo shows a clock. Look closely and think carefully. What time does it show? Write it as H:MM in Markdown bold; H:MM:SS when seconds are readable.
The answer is **10:27**
